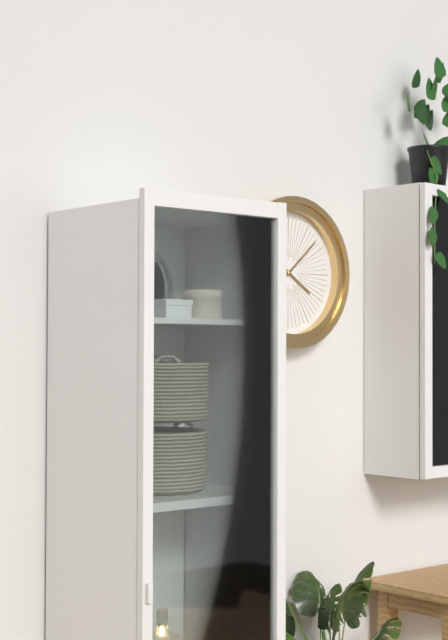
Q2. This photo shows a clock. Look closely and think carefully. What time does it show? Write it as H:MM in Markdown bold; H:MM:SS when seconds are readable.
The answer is **4:08**
